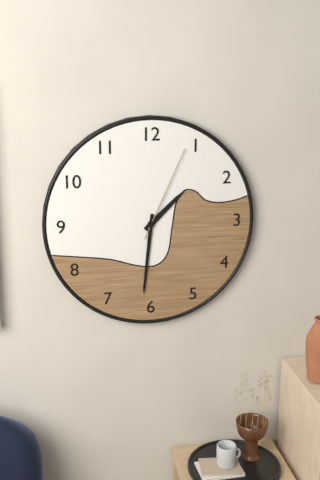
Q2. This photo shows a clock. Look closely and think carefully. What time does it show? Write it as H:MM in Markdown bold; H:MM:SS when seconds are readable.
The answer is **1:31:04**
